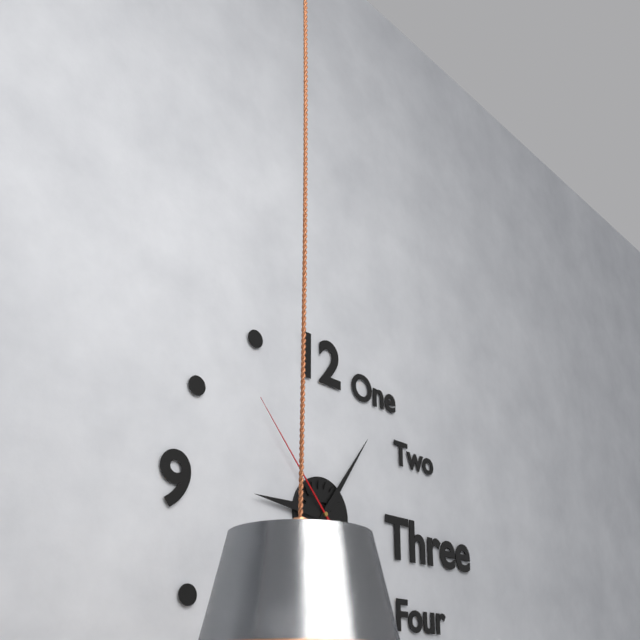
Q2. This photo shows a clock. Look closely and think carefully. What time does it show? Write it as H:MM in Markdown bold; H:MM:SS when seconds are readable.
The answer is **9:06:53**
